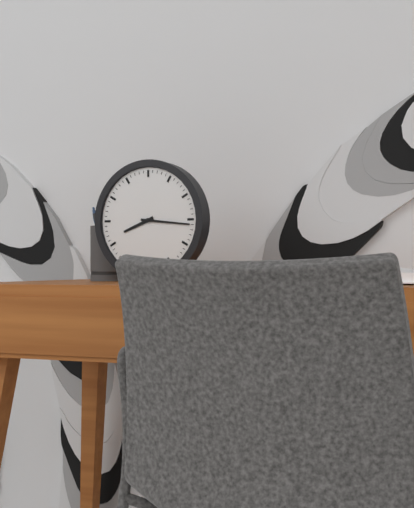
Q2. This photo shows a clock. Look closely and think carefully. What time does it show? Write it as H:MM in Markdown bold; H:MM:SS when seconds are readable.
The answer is **8:16**
